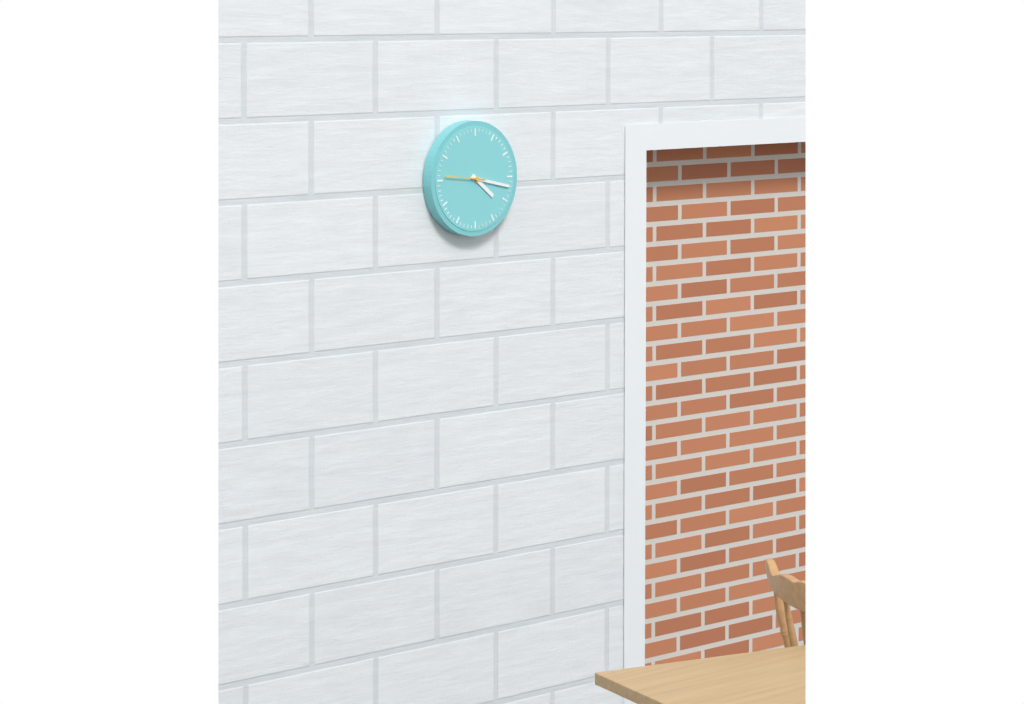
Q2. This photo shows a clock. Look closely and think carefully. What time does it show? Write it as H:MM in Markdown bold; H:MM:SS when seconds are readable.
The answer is **4:17**
